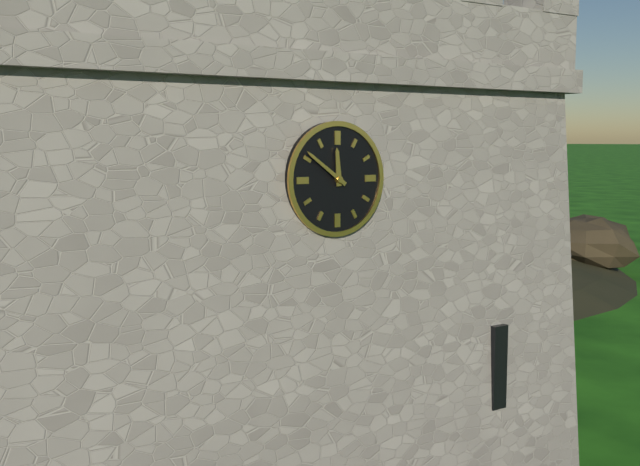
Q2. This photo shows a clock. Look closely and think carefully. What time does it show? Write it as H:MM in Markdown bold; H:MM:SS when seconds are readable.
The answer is **11:51**
